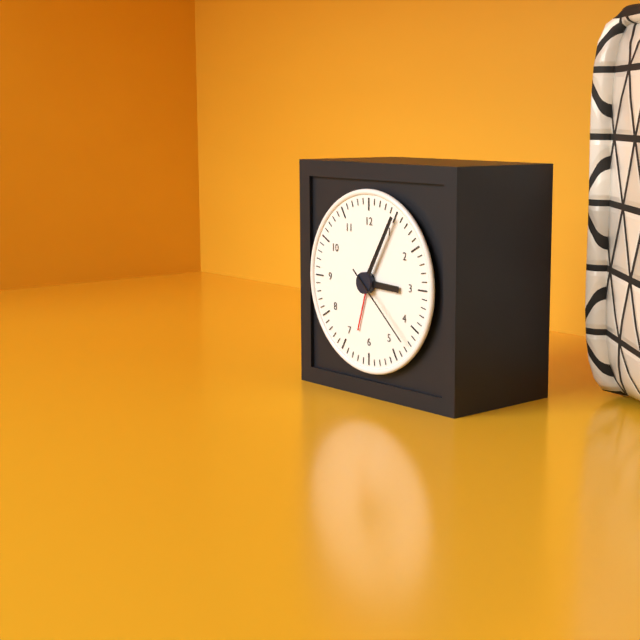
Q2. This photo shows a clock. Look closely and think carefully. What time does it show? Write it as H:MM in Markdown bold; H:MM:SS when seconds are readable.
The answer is **3:05:22**
